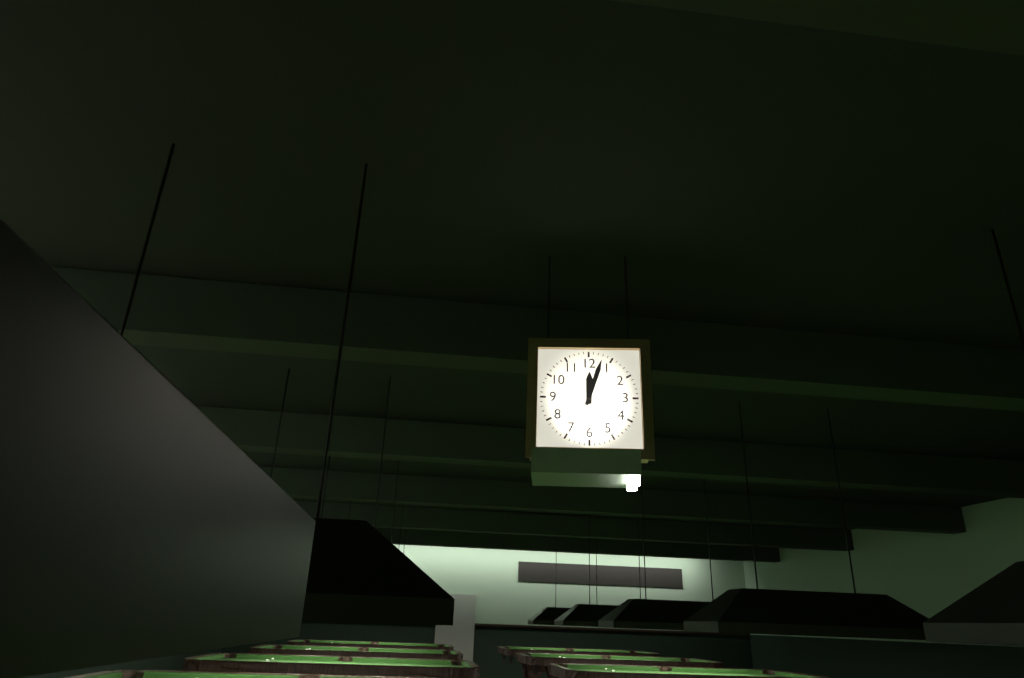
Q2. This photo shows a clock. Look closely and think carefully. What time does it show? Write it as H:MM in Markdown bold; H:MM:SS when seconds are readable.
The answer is **12:03**
